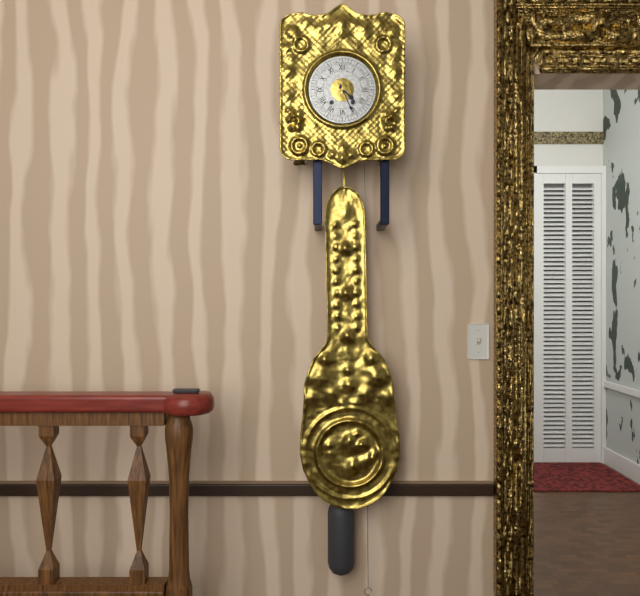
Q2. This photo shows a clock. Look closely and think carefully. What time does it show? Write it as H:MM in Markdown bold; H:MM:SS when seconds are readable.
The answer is **4:26**
